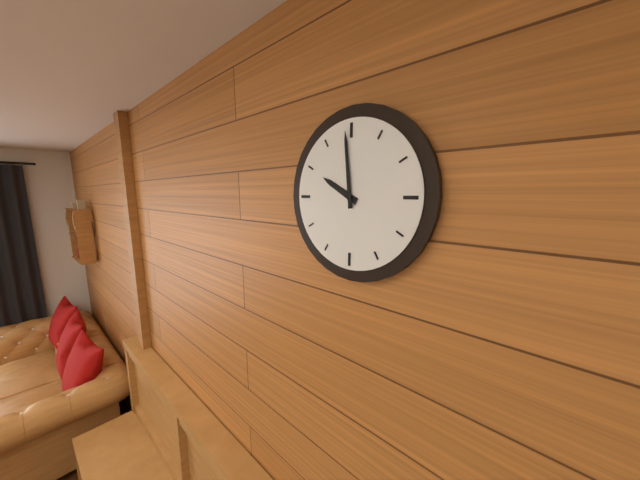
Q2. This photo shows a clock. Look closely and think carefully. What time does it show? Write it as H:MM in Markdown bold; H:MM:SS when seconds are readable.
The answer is **9:59**
